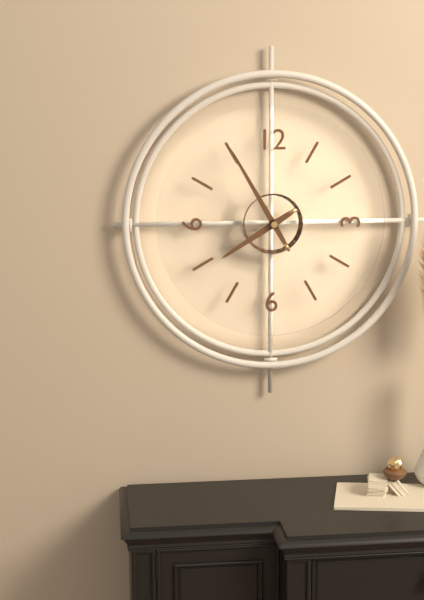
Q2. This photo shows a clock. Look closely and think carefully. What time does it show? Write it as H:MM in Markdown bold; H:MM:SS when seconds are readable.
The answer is **7:55**
